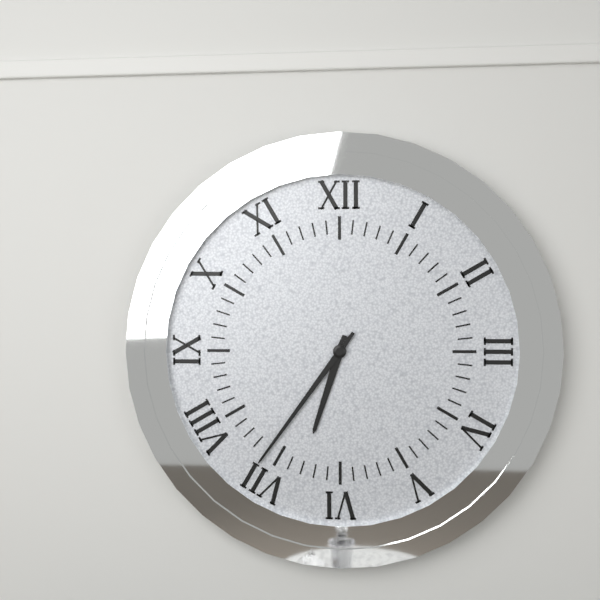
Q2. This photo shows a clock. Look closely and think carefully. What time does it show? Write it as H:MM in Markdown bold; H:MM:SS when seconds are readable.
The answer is **6:36**
